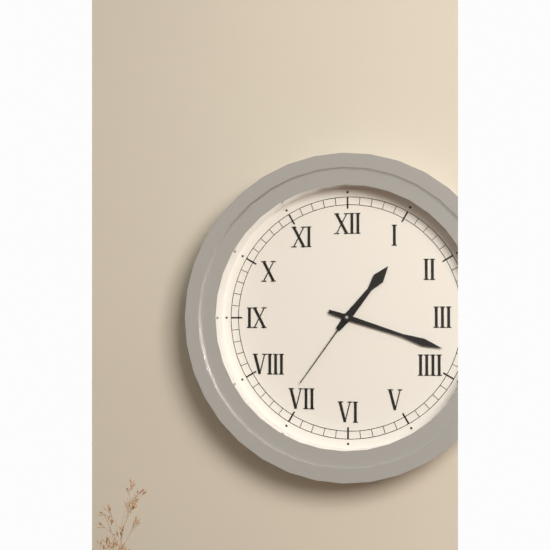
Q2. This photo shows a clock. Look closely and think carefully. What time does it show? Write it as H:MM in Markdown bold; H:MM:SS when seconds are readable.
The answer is **1:18:36**
